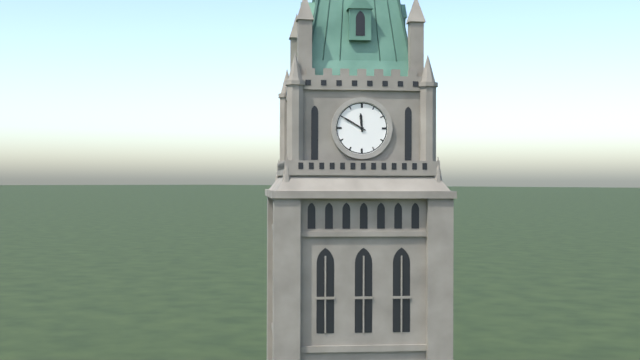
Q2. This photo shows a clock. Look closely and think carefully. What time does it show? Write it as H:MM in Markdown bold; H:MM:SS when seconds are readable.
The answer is **11:50**
